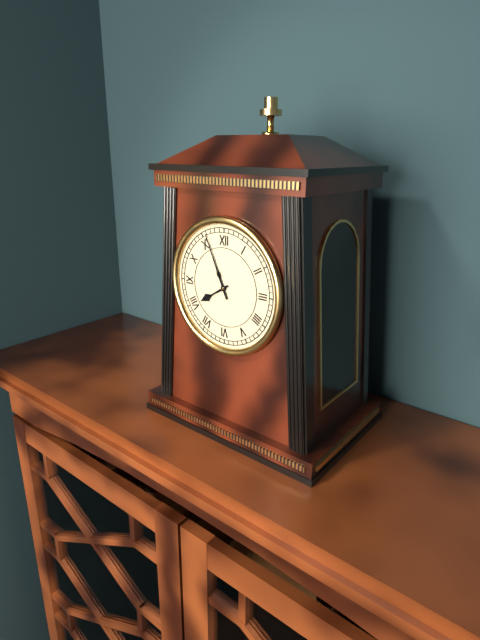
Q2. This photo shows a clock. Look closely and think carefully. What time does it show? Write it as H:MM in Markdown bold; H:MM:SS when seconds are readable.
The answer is **7:56**
